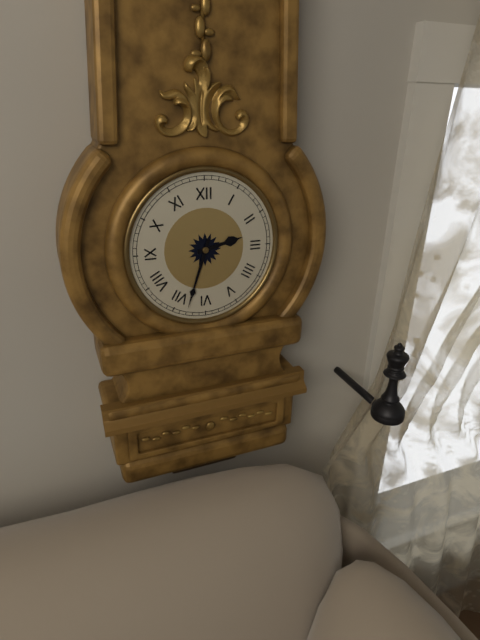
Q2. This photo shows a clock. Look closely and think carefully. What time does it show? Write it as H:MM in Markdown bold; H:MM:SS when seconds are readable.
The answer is **2:33**
